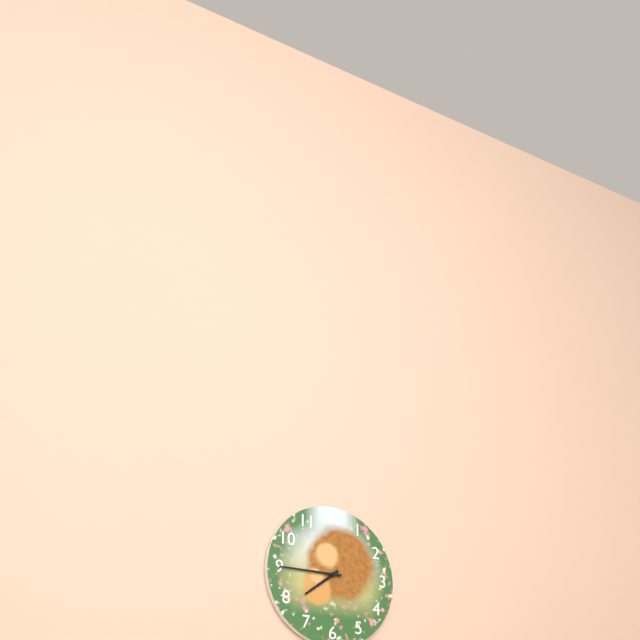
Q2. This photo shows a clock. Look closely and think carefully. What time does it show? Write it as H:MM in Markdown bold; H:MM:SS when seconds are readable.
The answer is **7:45**
